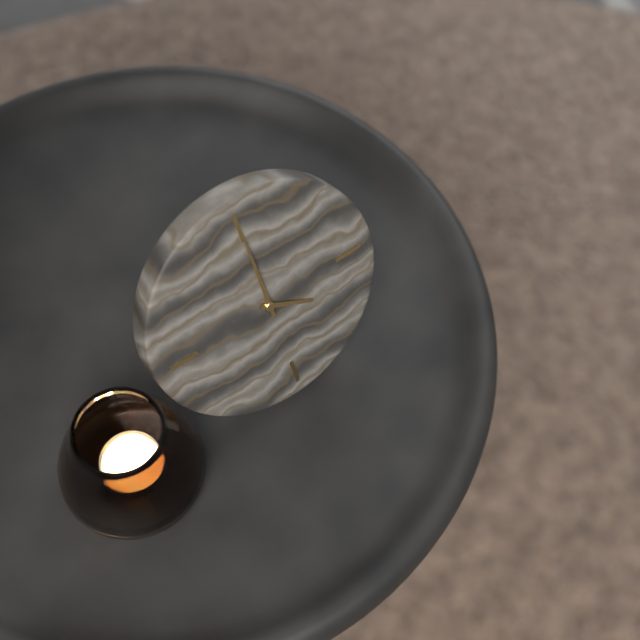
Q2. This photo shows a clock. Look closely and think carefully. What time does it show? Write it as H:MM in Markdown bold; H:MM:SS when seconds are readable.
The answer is **4:00**
